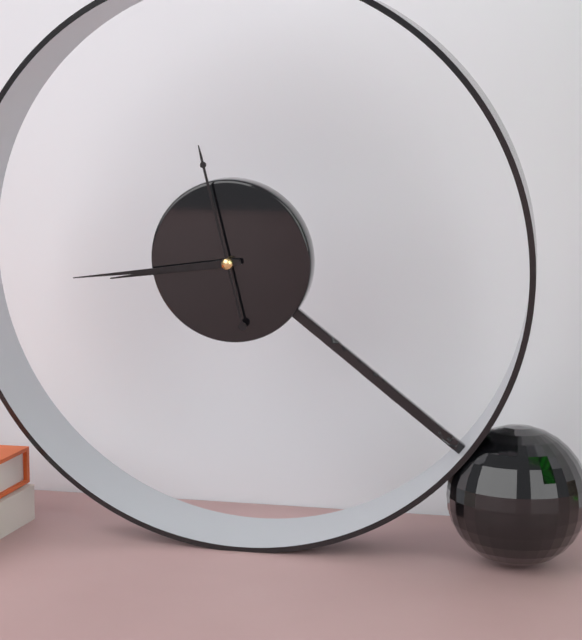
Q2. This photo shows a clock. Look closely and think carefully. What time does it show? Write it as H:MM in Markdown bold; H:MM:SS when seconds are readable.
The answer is **8:44:58**
